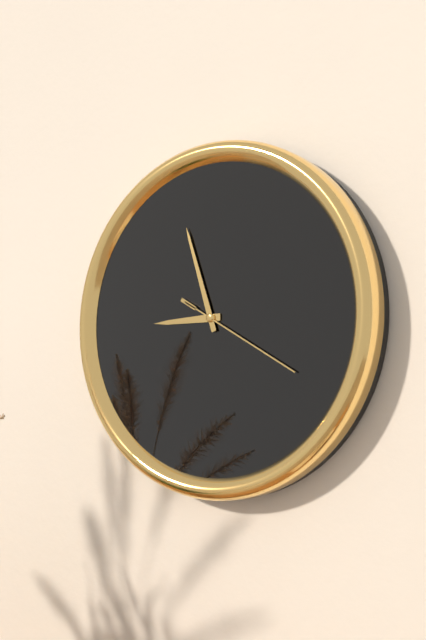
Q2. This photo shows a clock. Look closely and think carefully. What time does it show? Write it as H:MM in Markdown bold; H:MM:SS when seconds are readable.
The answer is **8:57:20**
